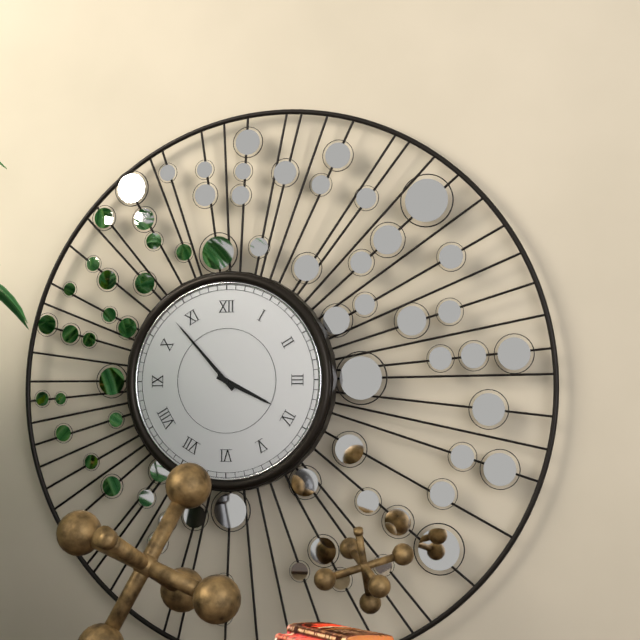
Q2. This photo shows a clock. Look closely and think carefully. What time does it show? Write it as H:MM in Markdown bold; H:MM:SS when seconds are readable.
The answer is **3:53**
